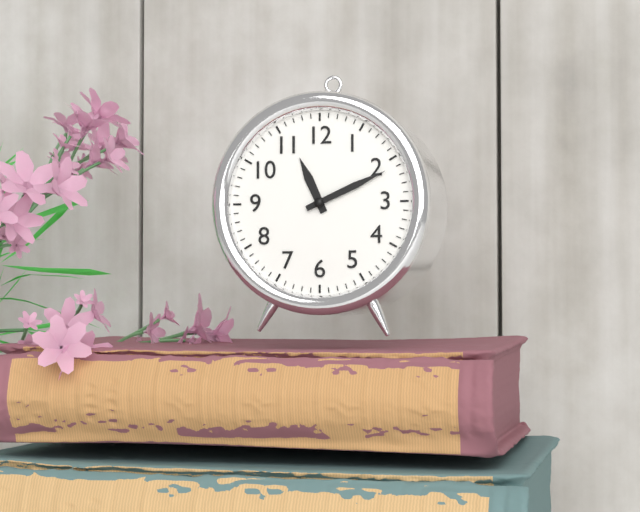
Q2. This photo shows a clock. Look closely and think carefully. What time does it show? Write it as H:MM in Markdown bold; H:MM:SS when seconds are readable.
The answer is **11:11**
